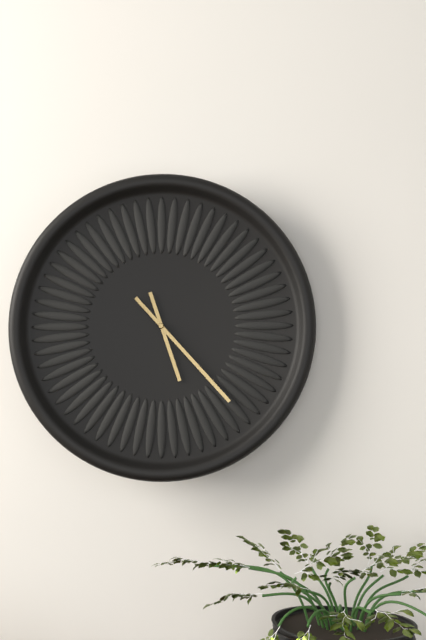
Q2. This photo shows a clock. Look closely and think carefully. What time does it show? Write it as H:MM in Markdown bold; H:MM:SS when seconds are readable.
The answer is **5:23**
